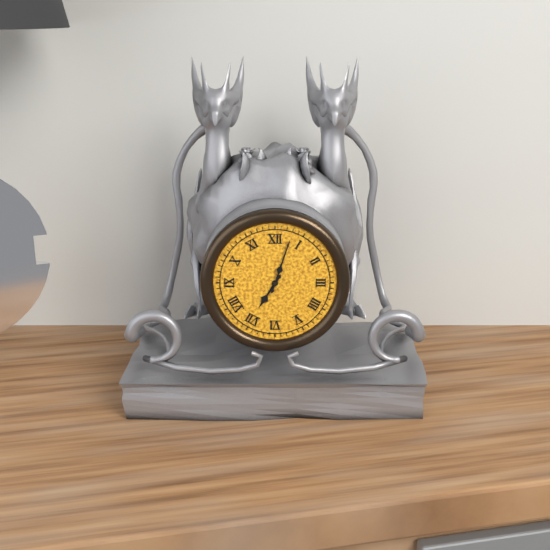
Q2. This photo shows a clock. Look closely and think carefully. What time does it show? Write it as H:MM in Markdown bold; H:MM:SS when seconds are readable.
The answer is **7:03**
